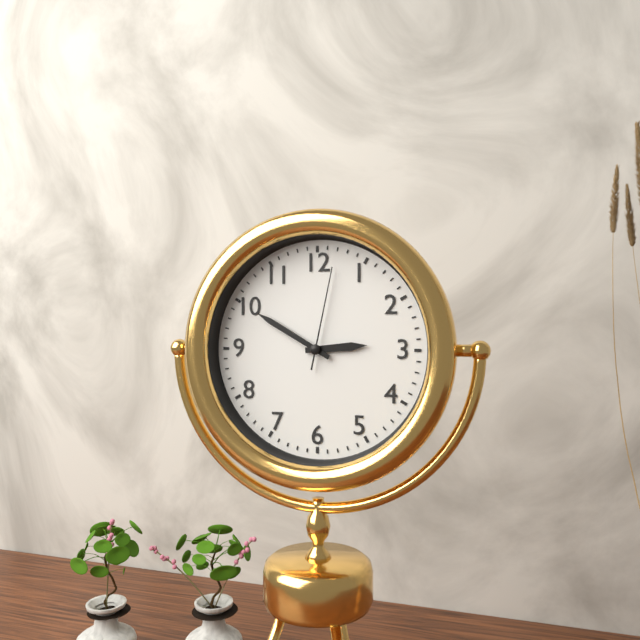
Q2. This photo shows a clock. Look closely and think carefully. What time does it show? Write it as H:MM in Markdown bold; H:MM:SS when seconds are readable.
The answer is **2:50:02**
